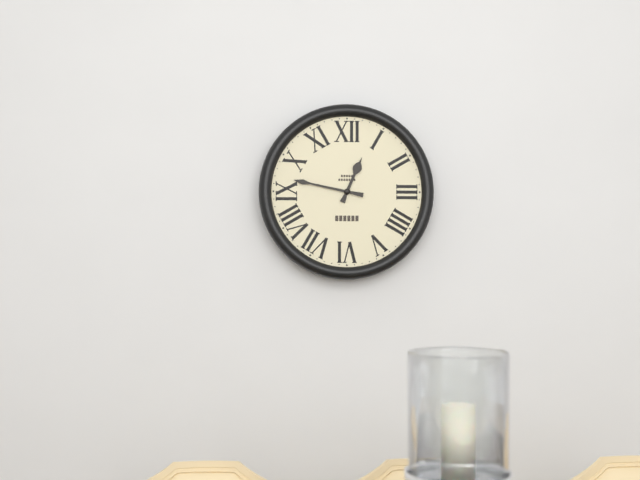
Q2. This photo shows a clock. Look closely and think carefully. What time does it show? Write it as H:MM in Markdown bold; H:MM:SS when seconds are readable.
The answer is **12:47**
